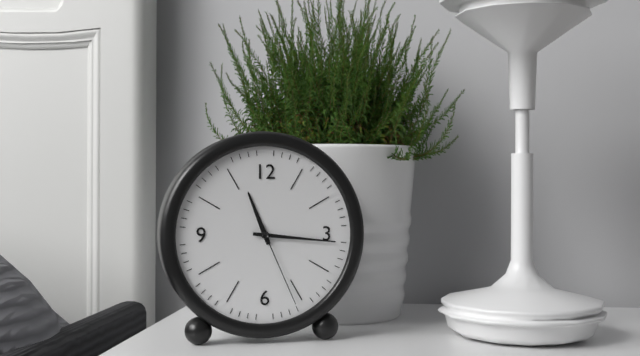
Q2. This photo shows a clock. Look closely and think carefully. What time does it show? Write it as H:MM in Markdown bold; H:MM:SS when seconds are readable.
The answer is **11:16:26**
